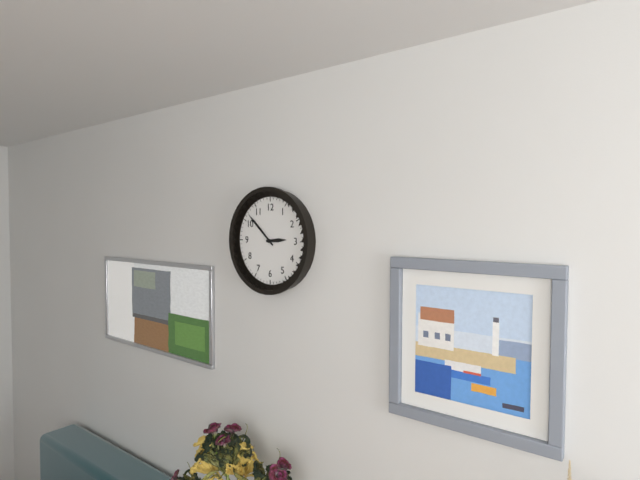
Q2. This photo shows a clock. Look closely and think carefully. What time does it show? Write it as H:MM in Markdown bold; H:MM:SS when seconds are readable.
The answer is **2:52**
